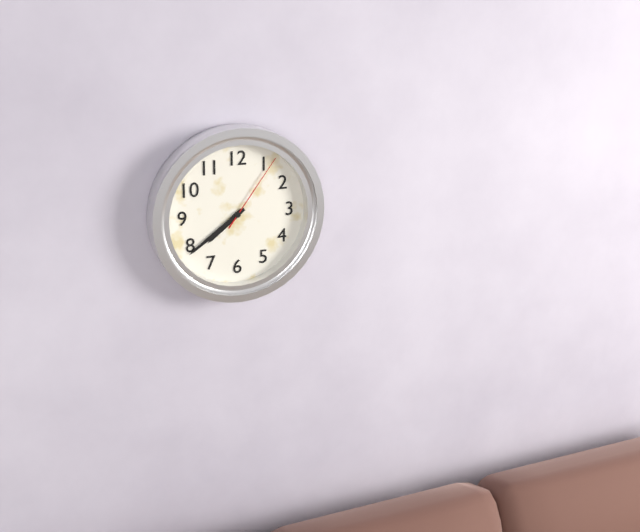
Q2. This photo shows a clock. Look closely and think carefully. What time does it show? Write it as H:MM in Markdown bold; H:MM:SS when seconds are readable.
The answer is **7:39:06**
